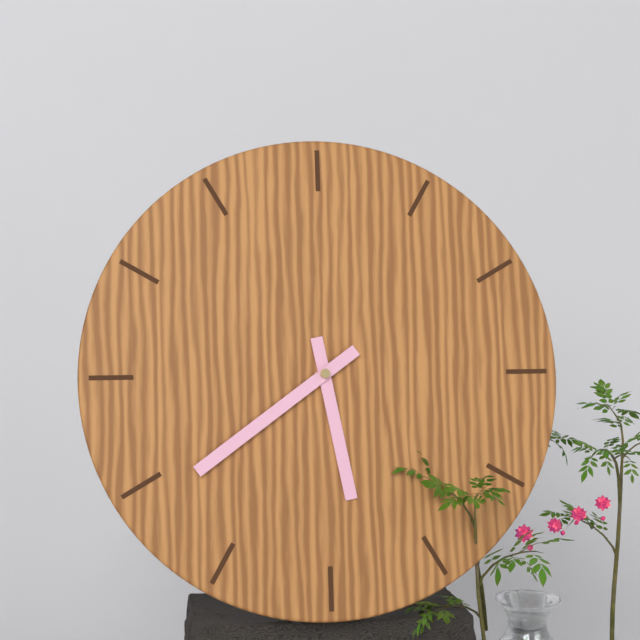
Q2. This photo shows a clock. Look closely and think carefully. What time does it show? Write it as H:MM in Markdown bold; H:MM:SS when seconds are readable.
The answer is **5:39**
